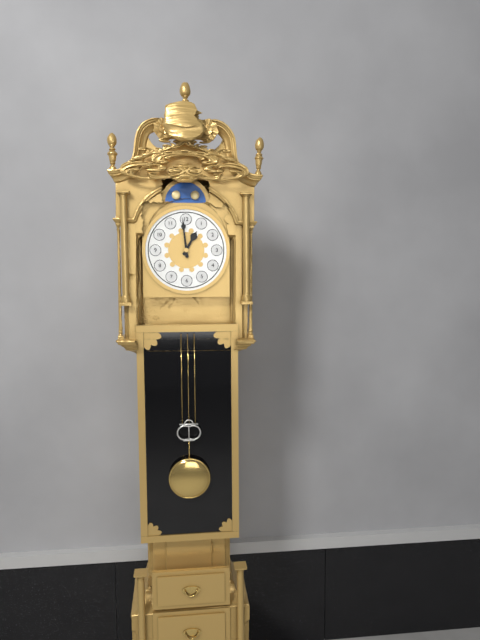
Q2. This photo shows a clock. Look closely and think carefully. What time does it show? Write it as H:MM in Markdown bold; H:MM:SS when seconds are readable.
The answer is **12:59**
